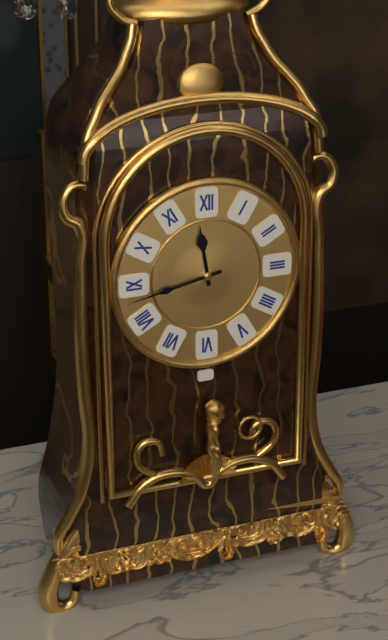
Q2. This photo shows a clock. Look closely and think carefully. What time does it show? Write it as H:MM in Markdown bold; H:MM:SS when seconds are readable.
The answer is **11:43**
